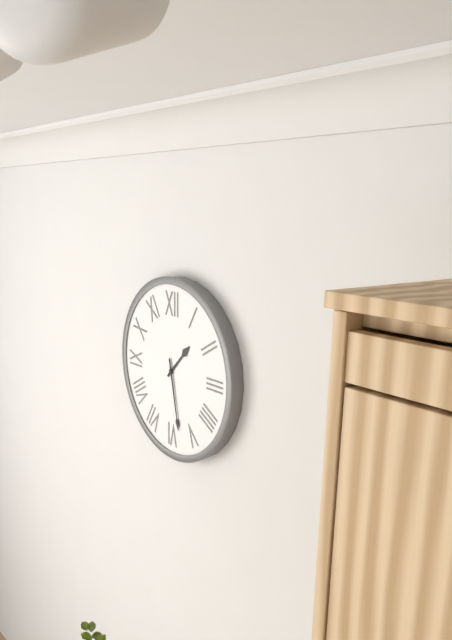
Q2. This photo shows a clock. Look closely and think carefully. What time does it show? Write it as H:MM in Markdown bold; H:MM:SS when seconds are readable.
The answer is **1:28**
